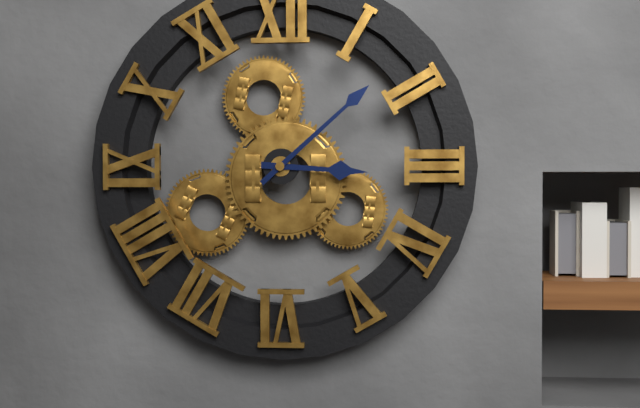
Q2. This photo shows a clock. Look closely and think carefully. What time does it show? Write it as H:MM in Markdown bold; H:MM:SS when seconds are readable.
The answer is **3:08**
